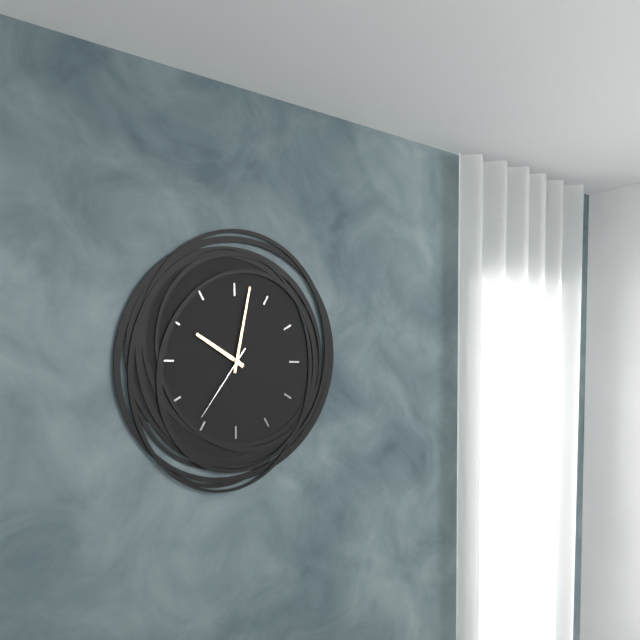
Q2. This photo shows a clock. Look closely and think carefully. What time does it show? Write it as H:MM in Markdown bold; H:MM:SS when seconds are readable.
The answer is **10:02:36**
